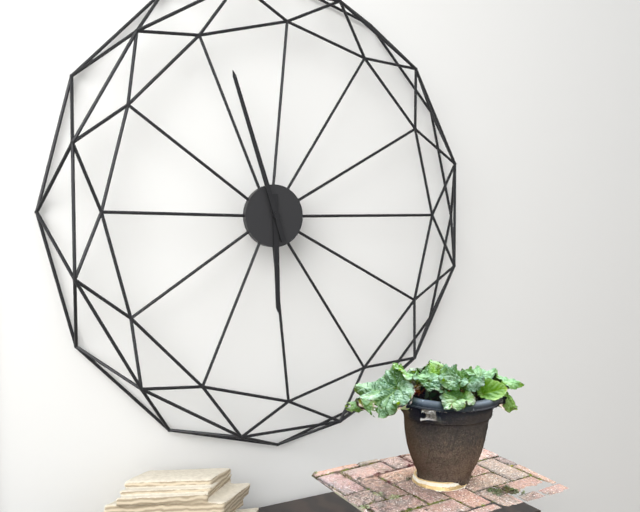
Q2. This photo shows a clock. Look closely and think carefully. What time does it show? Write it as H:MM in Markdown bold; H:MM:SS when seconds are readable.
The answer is **5:57**
